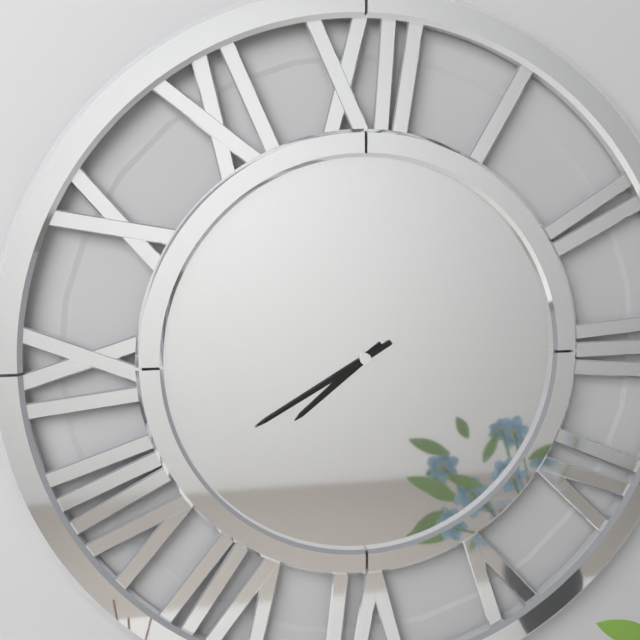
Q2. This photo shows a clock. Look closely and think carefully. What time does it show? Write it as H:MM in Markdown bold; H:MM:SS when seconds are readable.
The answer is **7:40**
